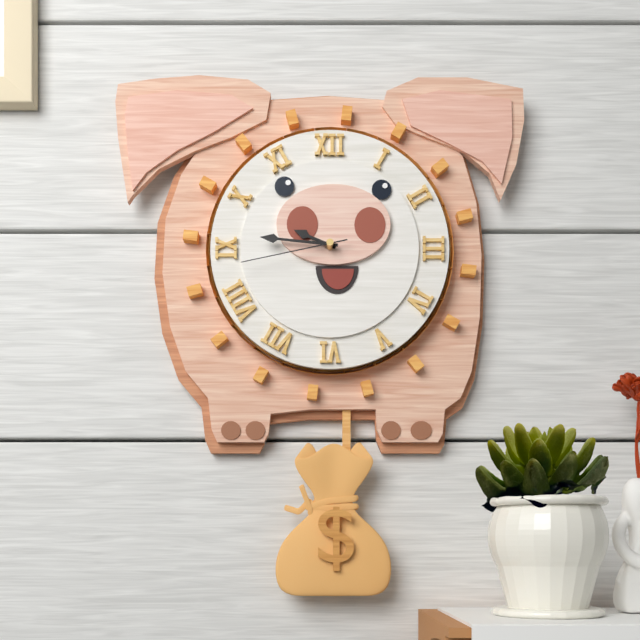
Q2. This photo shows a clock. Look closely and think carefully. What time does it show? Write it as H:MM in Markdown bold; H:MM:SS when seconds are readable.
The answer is **9:46:43**
